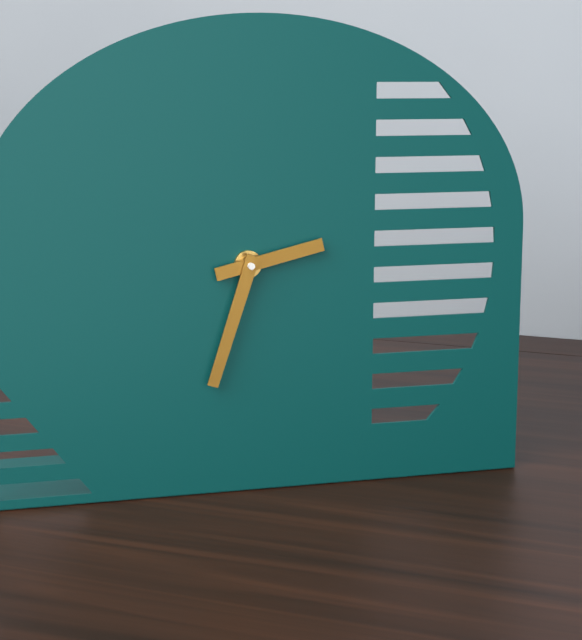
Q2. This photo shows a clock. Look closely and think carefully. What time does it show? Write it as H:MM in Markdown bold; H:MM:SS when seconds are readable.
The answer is **2:33**
